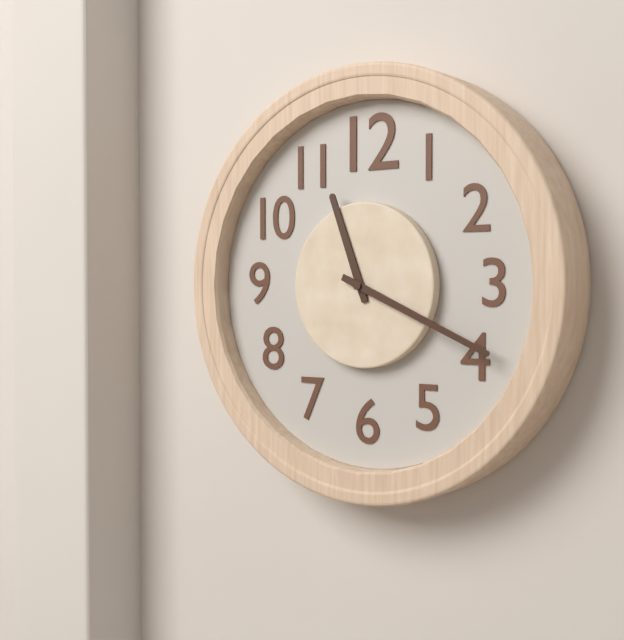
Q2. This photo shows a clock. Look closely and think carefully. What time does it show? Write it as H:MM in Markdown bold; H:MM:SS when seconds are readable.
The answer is **11:19**
